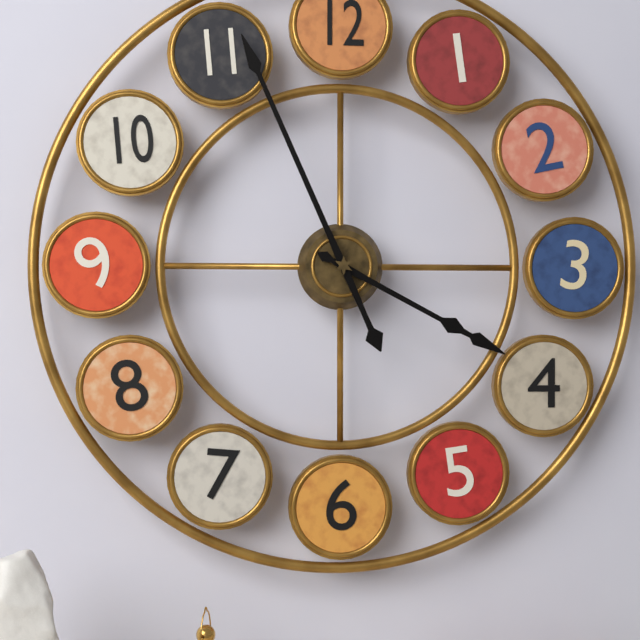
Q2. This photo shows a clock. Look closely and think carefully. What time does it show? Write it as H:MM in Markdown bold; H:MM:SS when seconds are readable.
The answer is **3:56**
